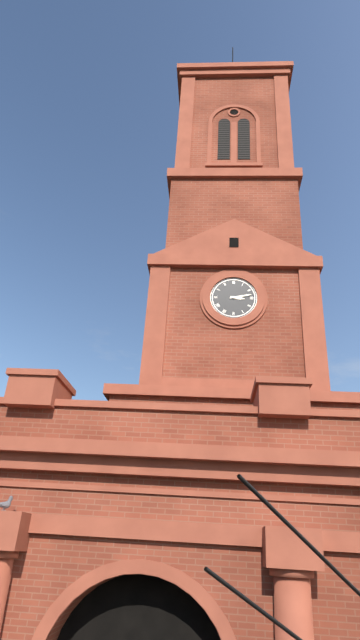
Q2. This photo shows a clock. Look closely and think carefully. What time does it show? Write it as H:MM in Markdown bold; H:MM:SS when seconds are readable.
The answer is **3:13**
